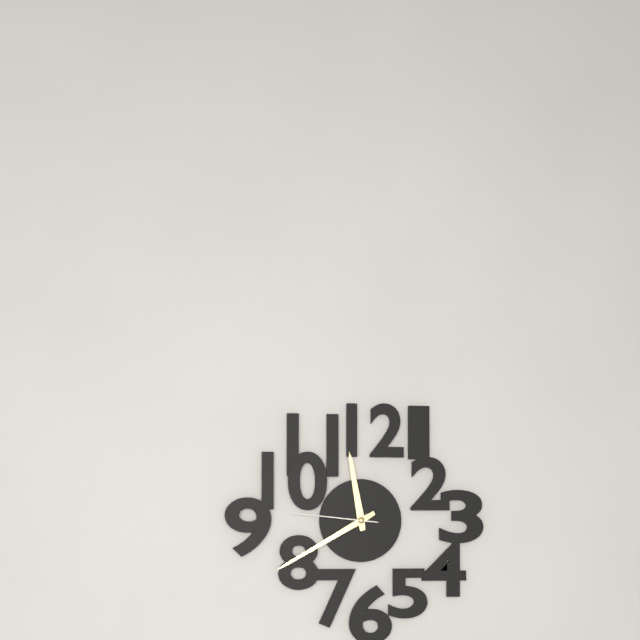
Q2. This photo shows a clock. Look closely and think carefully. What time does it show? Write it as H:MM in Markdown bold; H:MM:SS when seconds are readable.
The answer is **11:40:46**
